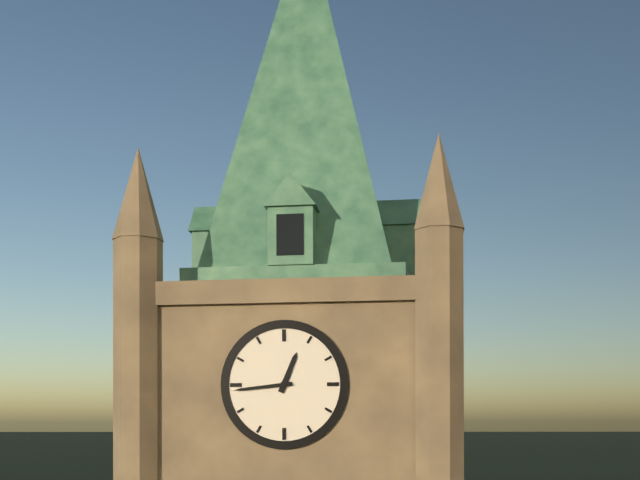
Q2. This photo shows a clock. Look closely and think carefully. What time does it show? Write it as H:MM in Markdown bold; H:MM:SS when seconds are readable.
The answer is **12:44**
